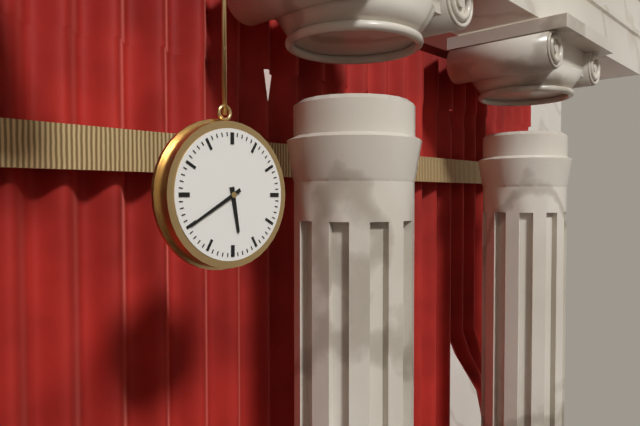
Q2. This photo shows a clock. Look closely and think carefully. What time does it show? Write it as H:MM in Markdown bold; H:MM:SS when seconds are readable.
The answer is **5:40**
